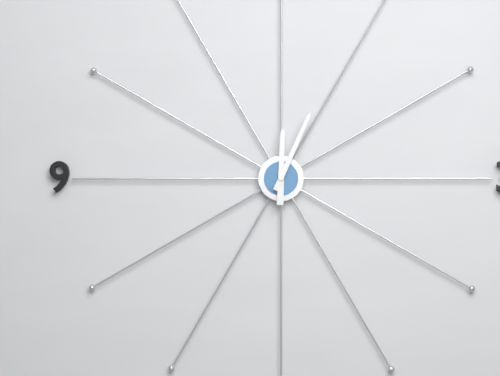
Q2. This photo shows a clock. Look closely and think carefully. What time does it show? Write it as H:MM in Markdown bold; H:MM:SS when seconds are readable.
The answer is **12:04**
